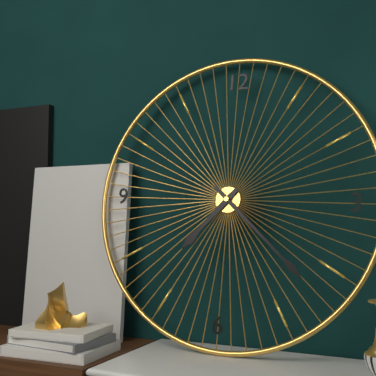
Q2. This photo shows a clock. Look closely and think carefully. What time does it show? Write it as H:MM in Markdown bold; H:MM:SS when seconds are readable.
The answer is **7:22**
